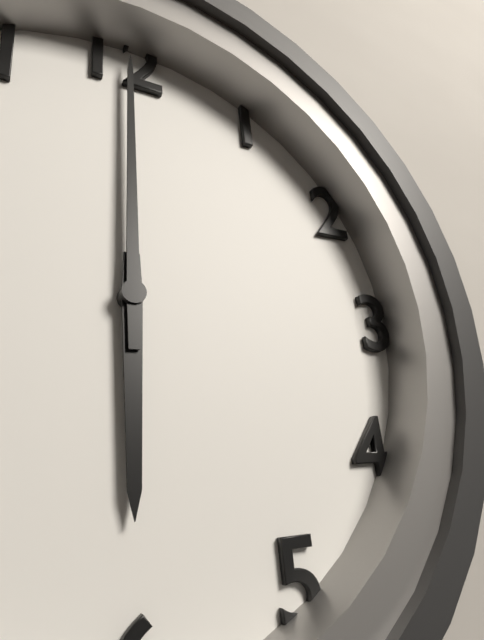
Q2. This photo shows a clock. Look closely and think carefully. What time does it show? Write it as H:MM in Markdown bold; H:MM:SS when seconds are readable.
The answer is **6:00**
